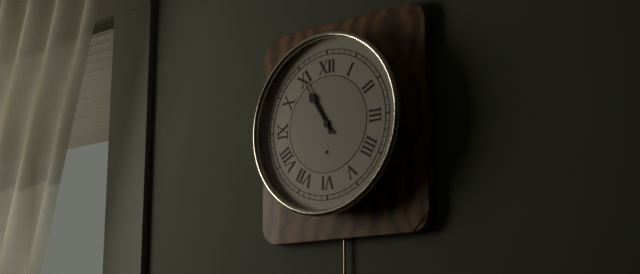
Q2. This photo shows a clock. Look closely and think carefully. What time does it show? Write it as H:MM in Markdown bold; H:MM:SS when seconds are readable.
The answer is **10:55**
